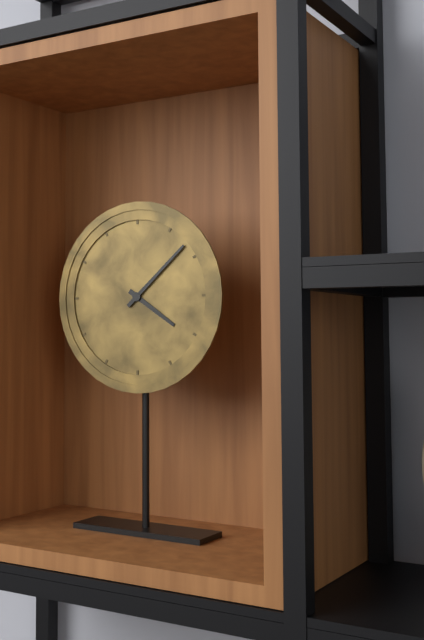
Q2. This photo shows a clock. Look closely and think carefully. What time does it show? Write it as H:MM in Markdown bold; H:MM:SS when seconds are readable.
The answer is **4:08**
